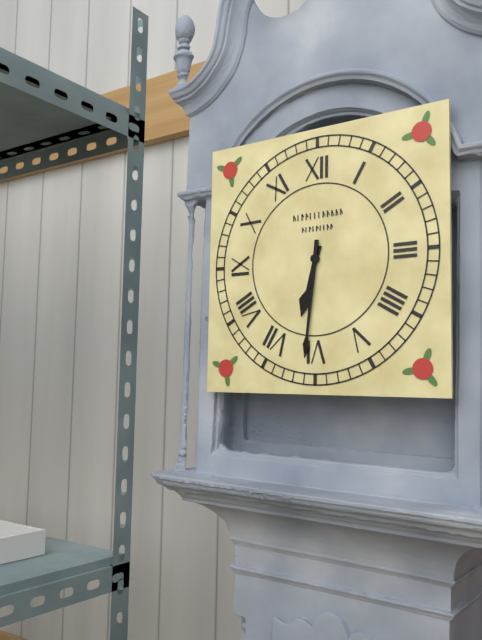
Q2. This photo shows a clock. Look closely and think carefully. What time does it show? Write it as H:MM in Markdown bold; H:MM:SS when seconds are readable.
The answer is **6:31**
